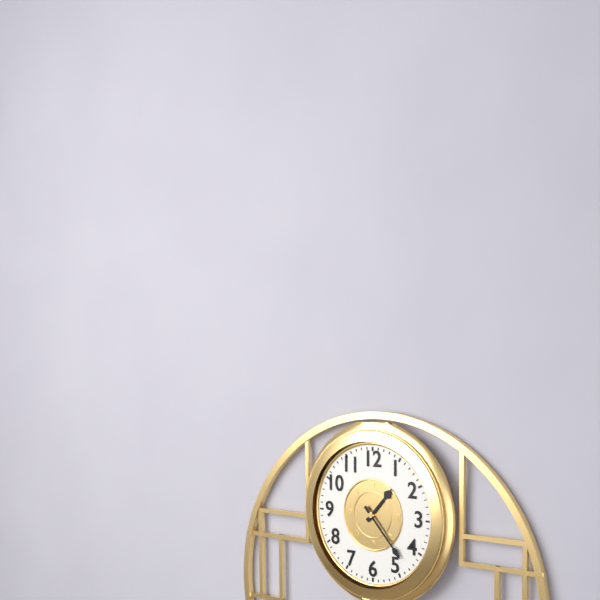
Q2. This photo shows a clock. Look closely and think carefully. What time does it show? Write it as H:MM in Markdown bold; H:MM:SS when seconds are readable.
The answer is **1:23**
